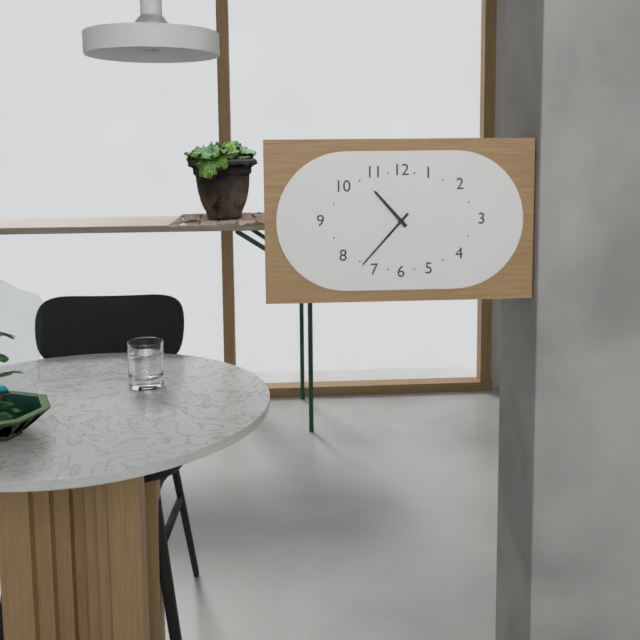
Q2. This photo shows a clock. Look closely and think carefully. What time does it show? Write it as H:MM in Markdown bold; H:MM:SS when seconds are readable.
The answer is **10:37**
